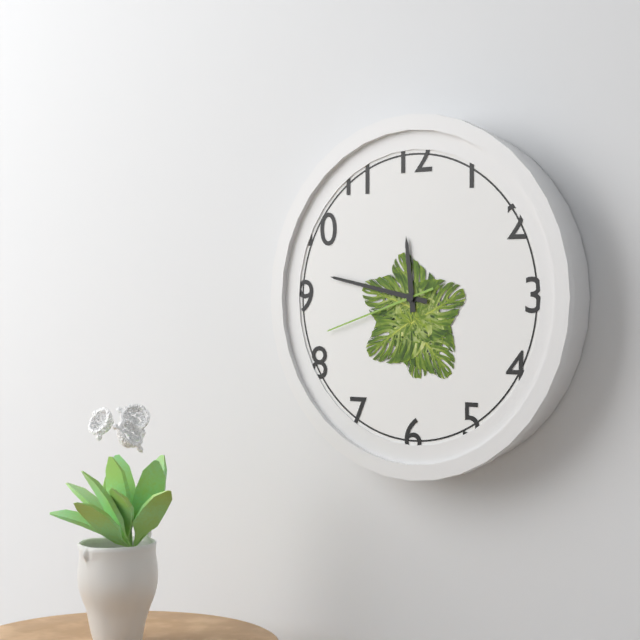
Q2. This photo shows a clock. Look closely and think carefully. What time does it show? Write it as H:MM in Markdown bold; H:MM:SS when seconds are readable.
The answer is **11:47:42**
